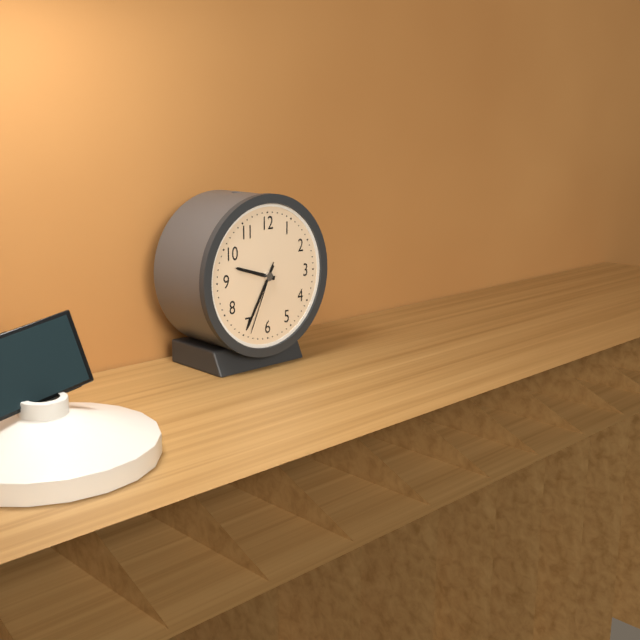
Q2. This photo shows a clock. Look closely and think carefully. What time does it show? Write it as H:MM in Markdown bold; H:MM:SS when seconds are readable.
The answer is **9:35:34**
